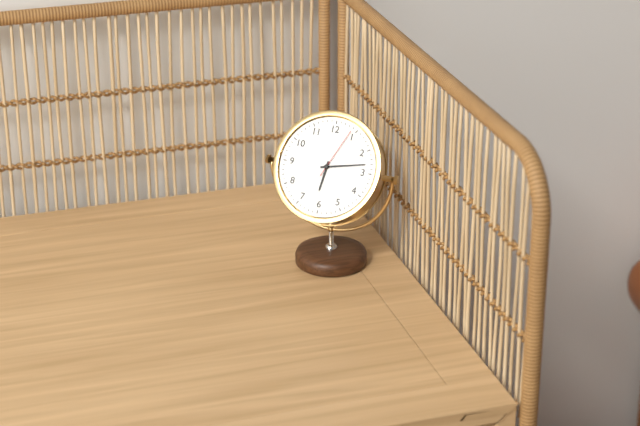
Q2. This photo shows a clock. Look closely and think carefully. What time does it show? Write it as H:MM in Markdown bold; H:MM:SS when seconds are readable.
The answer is **6:13:04**
